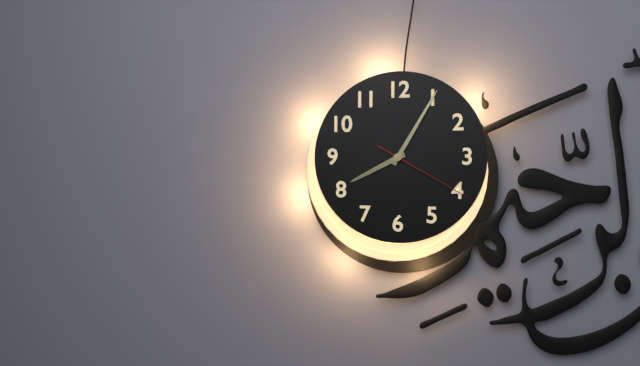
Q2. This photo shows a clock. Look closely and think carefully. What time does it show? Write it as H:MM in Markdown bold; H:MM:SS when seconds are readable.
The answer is **8:05:20**
